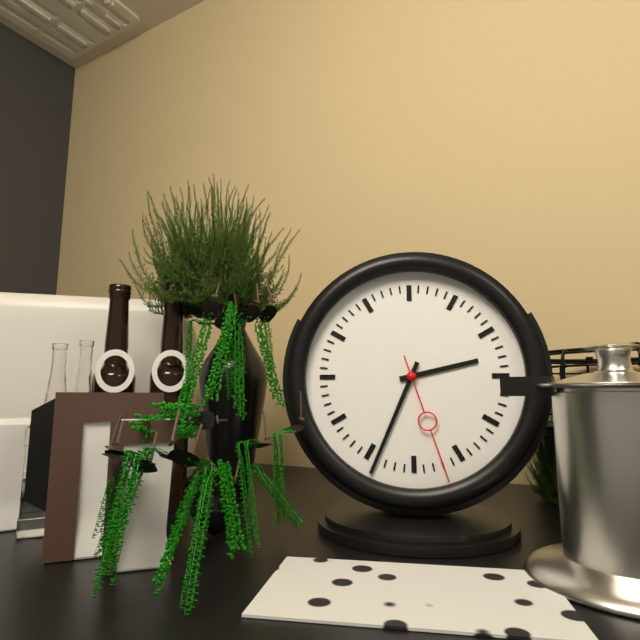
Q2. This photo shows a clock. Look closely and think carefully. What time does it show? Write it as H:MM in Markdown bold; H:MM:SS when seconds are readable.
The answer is **2:34:27**
